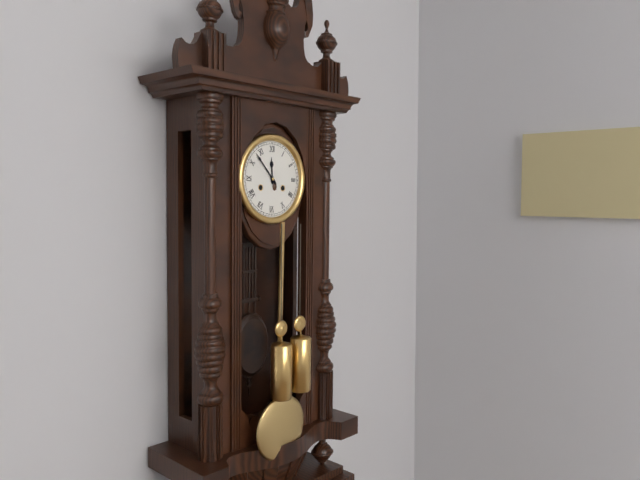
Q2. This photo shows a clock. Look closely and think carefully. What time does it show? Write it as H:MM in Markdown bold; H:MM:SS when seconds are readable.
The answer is **11:53**
